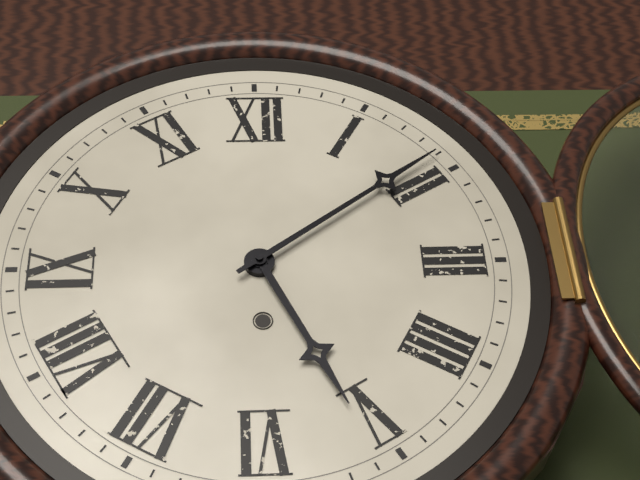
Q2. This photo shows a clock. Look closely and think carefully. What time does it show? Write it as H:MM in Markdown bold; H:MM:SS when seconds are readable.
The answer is **5:09**
